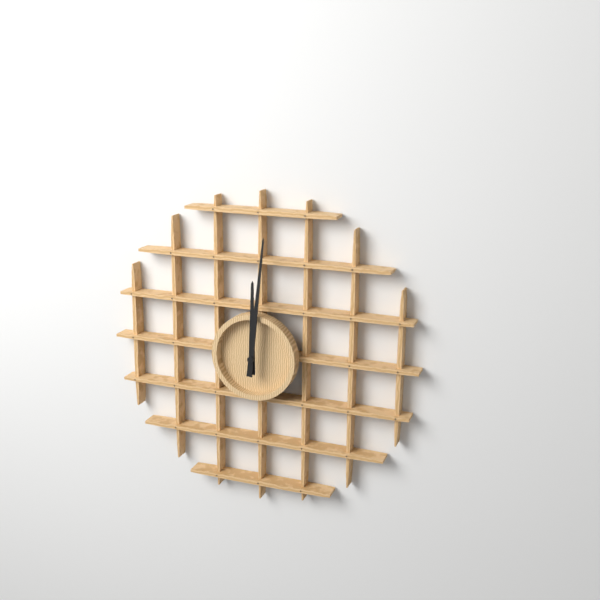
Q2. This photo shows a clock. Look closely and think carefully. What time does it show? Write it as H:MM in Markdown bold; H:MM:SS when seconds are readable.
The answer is **12:01**
